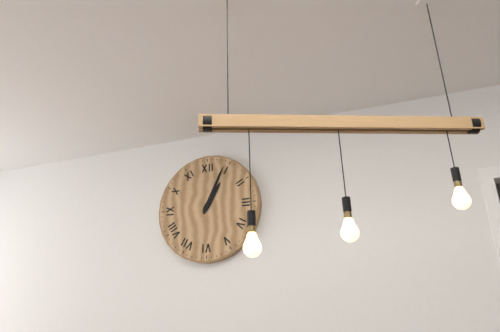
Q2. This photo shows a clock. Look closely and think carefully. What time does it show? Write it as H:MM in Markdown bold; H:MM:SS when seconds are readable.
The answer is **1:04**
